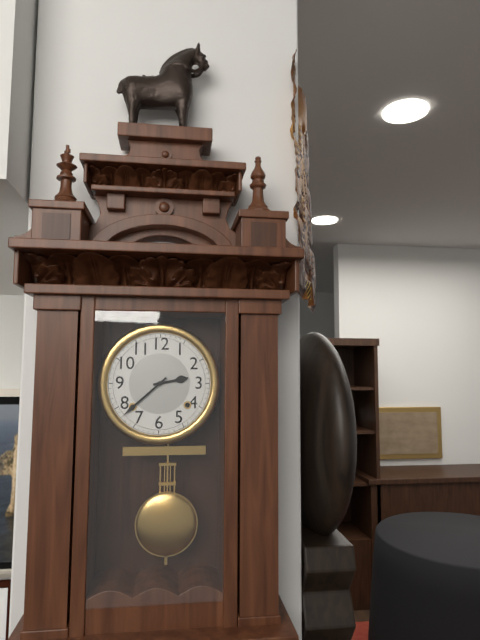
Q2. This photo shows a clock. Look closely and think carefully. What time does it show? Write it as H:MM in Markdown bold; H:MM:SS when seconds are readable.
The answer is **2:38**
